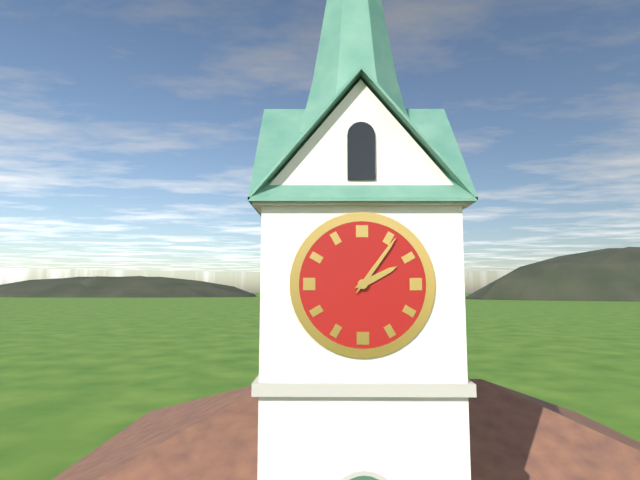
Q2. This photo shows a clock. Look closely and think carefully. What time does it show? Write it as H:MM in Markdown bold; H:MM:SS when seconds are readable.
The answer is **2:06**
